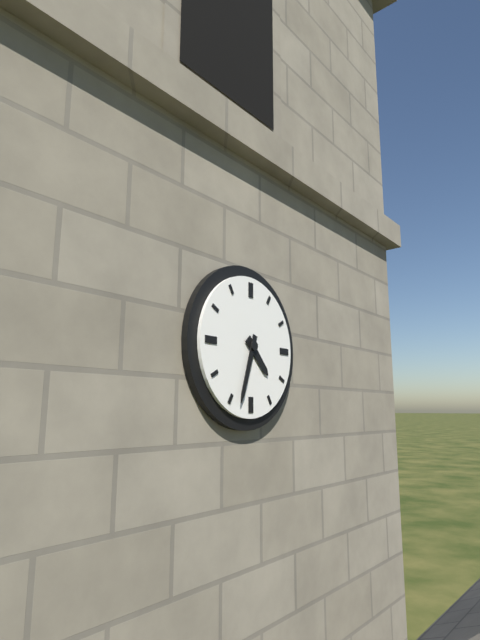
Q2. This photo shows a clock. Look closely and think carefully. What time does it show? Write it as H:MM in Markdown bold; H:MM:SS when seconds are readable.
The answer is **4:33**
